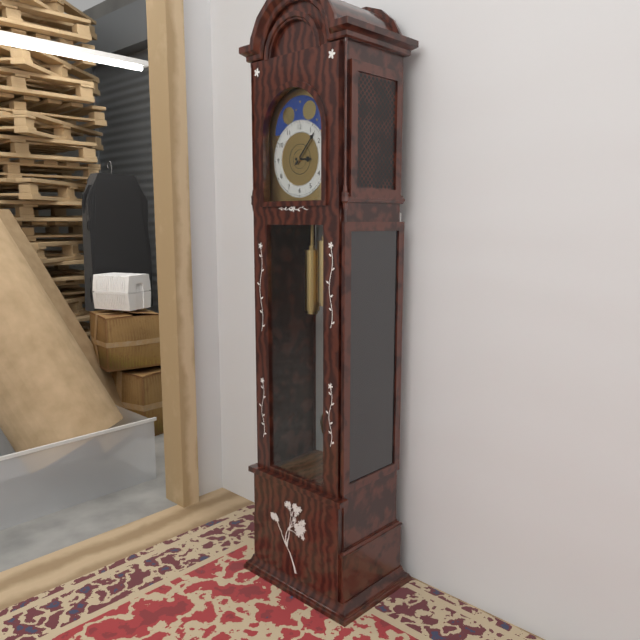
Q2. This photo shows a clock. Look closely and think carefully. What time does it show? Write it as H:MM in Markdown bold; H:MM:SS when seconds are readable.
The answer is **3:07**
